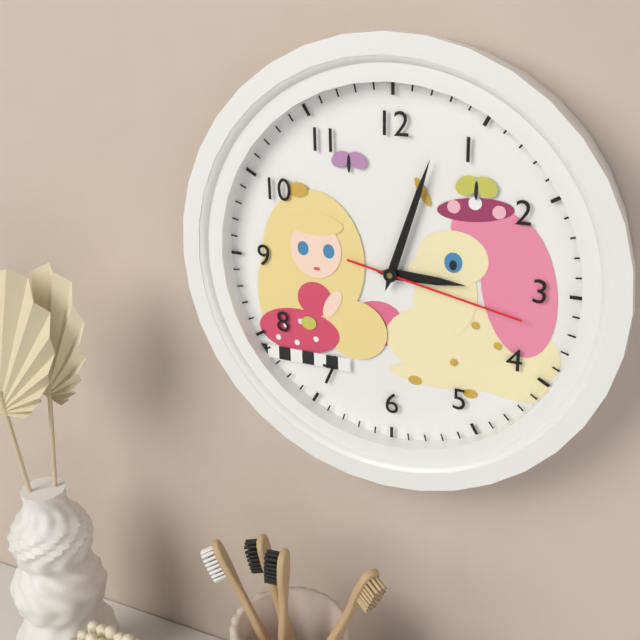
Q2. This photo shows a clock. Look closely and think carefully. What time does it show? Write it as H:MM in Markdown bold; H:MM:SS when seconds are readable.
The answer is **3:03:17**
